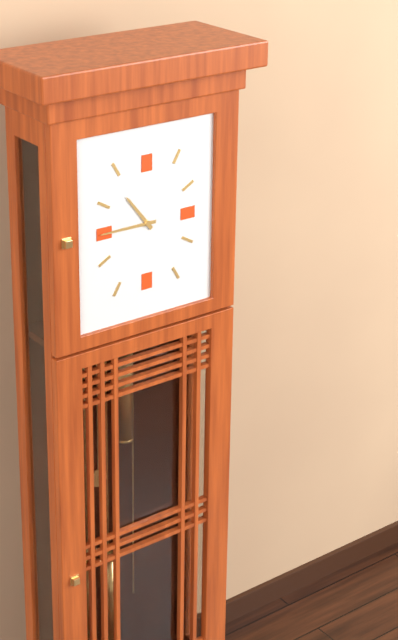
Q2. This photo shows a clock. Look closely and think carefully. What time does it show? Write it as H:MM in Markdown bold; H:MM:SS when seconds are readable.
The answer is **10:45**
